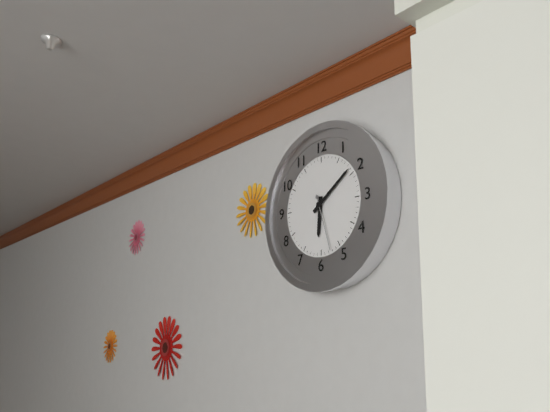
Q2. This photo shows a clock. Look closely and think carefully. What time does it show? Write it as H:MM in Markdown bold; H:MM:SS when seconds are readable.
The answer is **6:09:27**
